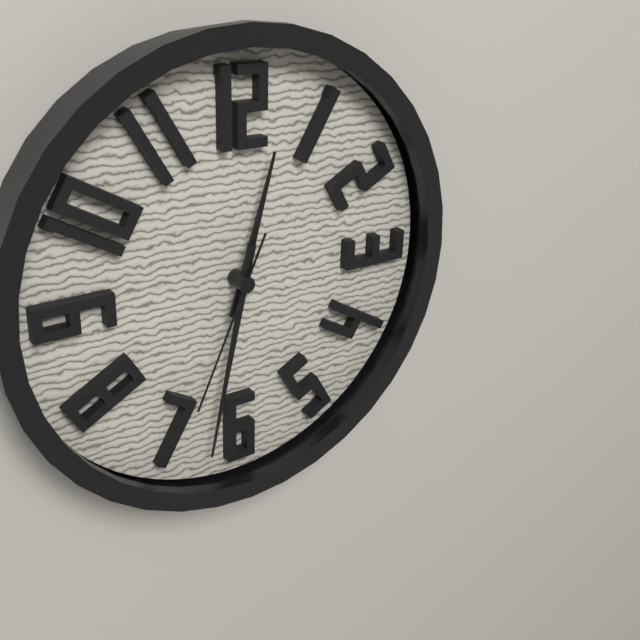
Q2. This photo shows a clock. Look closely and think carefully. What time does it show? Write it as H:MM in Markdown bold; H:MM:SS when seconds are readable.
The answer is **12:32:34**
